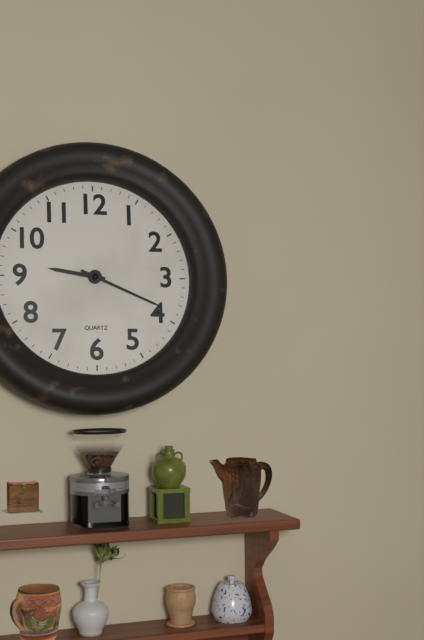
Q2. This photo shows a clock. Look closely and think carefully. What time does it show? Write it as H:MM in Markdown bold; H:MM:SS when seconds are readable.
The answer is **9:19**
